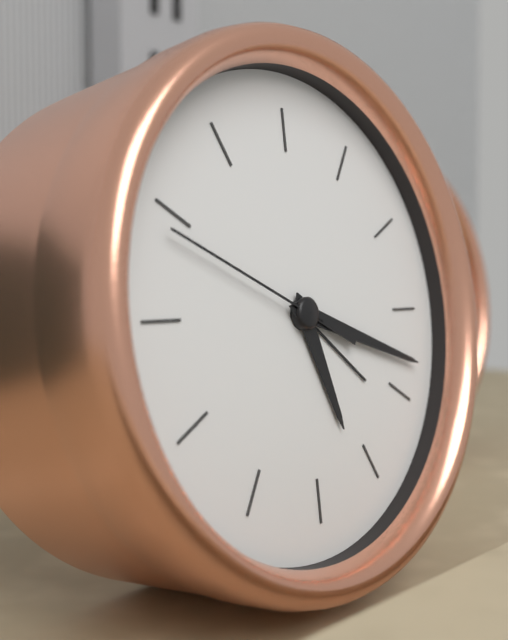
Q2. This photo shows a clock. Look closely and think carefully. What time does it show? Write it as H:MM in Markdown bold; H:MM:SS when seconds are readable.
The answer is **5:18:49**
